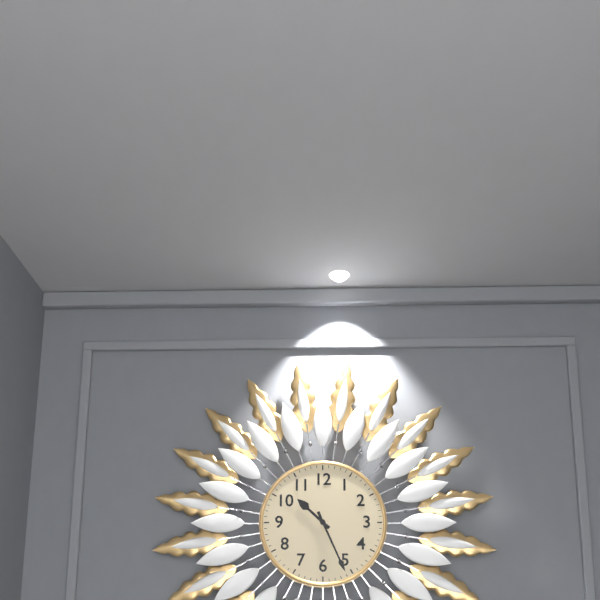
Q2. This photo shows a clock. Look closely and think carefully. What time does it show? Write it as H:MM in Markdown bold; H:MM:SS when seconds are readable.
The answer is **10:26**
